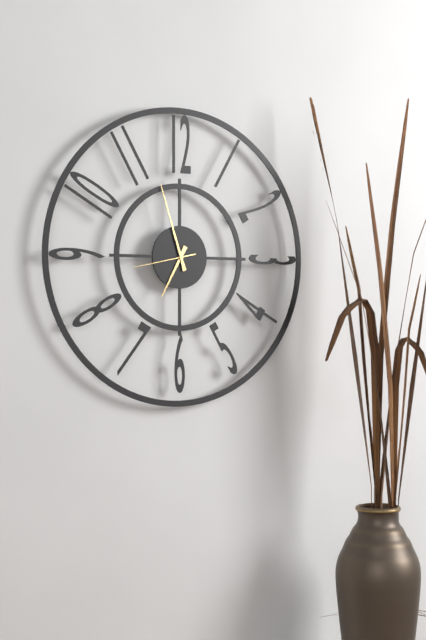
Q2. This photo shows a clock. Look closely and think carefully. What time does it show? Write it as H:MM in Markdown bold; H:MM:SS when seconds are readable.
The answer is **6:57:43**
